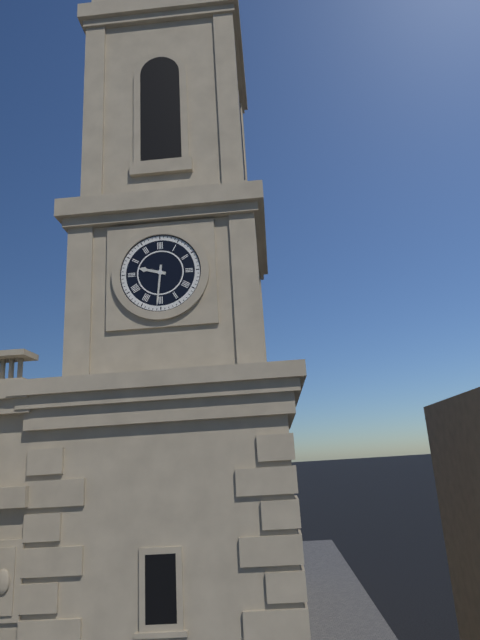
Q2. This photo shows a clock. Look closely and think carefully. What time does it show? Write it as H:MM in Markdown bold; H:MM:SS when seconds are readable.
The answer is **9:31**
